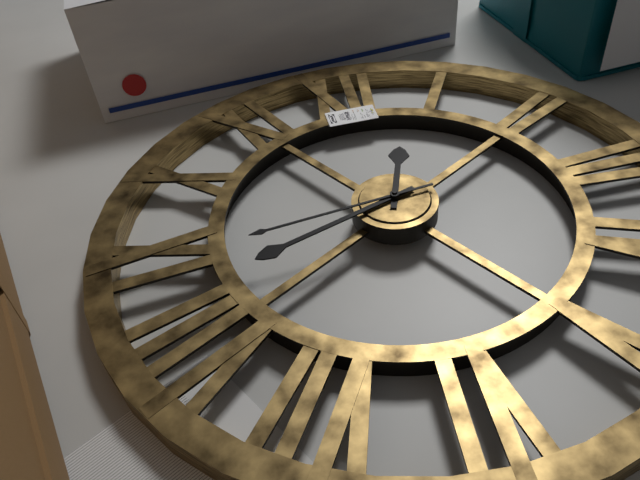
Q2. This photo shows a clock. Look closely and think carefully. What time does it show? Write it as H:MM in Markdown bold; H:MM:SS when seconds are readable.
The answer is **12:42:44**
